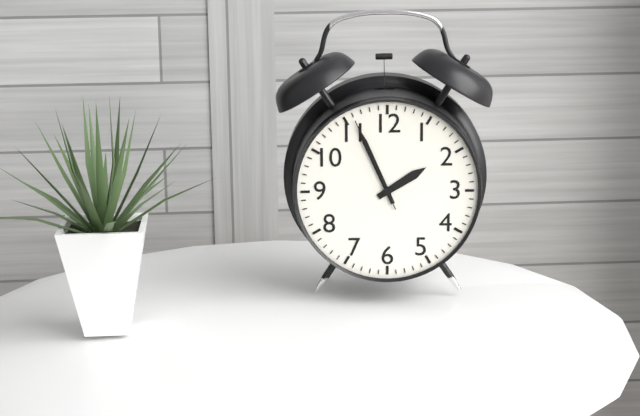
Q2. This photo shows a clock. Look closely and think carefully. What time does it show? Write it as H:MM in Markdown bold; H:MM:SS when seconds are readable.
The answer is **1:56:56**
